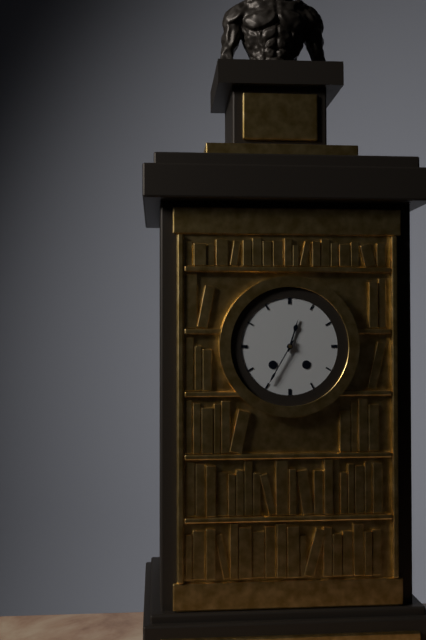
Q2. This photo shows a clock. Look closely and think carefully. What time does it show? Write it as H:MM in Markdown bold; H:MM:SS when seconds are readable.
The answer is **12:35**
